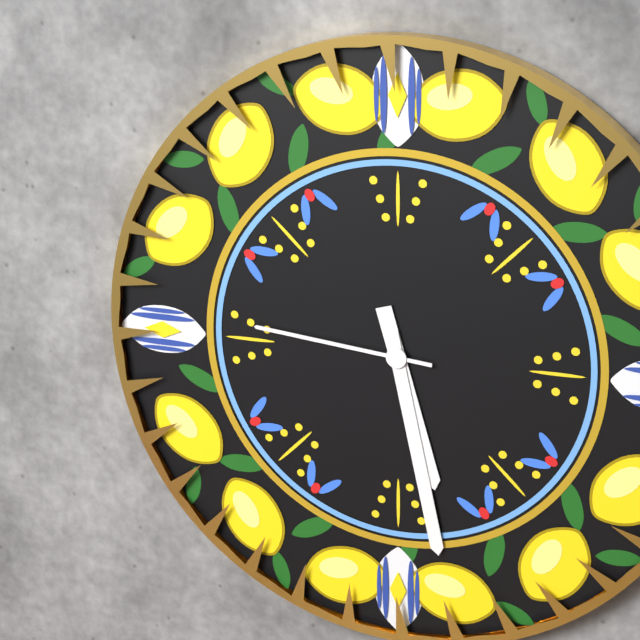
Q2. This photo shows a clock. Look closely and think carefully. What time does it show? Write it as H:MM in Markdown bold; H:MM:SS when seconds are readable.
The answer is **5:28:46**
